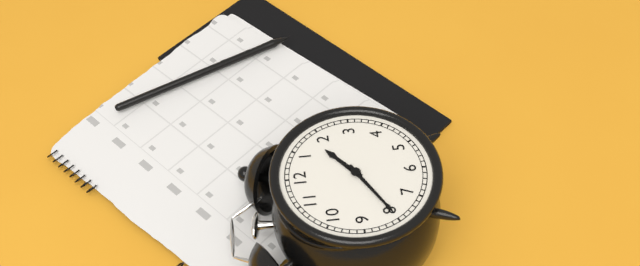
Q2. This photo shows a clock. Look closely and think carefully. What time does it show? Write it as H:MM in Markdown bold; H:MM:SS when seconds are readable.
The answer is **1:40**
